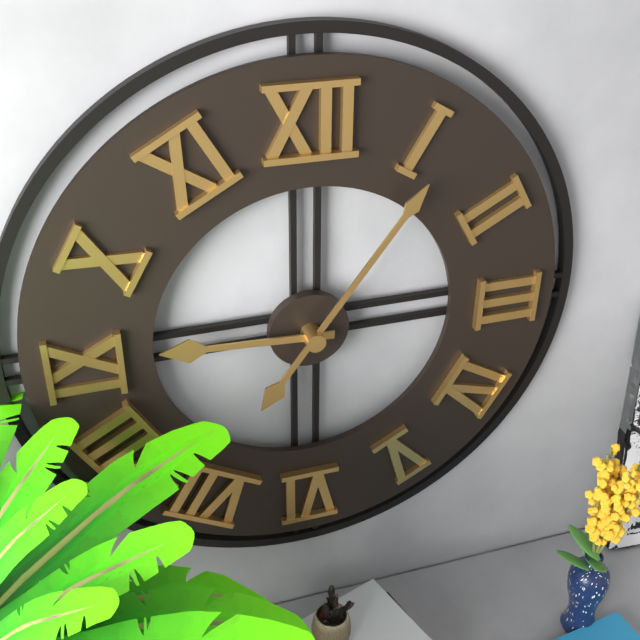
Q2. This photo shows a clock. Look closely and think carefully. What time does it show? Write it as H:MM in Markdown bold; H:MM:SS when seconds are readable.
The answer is **9:06**
